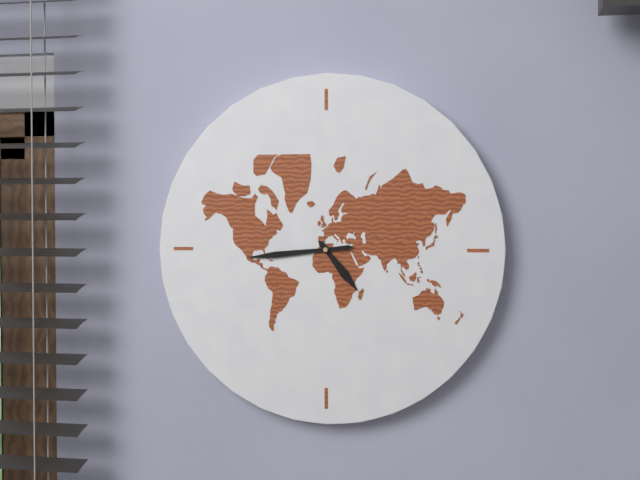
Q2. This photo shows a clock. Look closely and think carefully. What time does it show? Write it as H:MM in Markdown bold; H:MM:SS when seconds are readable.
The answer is **4:44**
